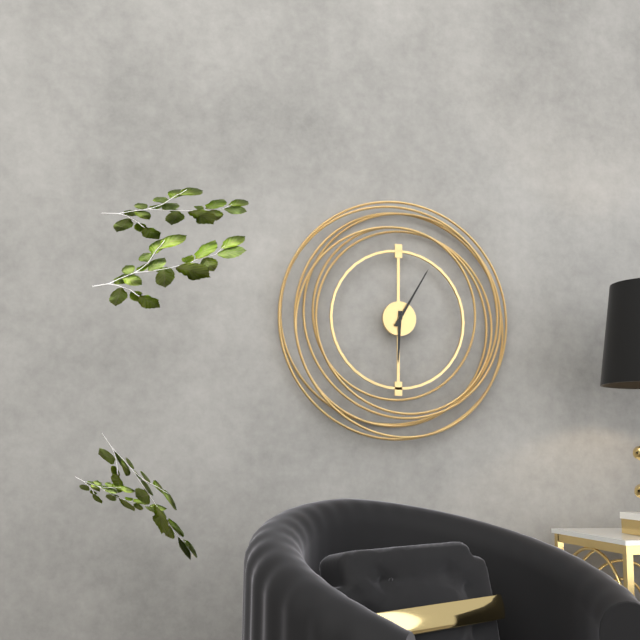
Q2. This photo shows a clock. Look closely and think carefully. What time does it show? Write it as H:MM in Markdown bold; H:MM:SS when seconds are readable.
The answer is **6:05**
